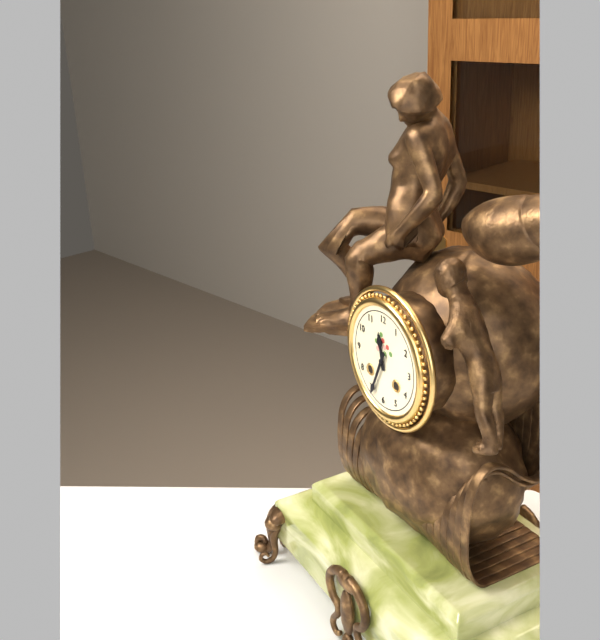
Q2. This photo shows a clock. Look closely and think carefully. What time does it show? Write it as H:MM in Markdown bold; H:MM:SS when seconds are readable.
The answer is **11:34**
